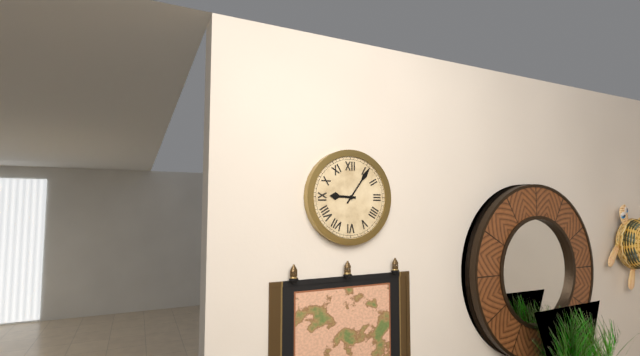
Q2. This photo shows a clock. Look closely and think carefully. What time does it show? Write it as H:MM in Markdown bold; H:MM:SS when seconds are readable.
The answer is **9:06**
